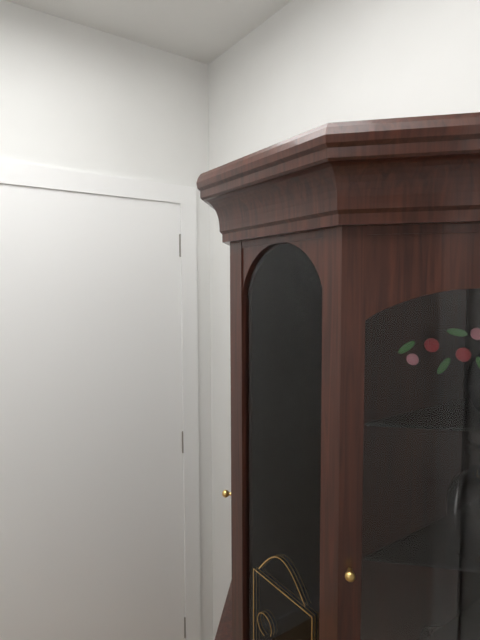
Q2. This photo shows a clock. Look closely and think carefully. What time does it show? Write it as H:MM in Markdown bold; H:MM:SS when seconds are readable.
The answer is **5:40**
